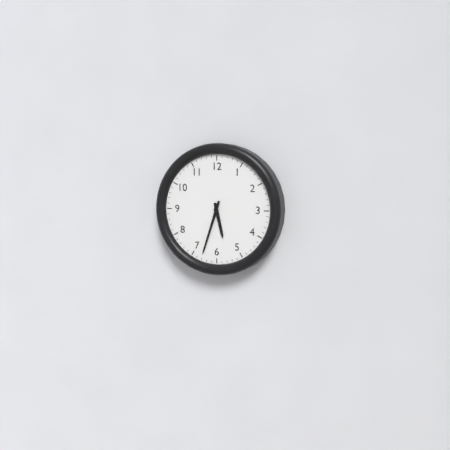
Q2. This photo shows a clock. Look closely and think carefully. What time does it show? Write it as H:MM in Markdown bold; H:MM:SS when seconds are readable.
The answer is **5:33**
